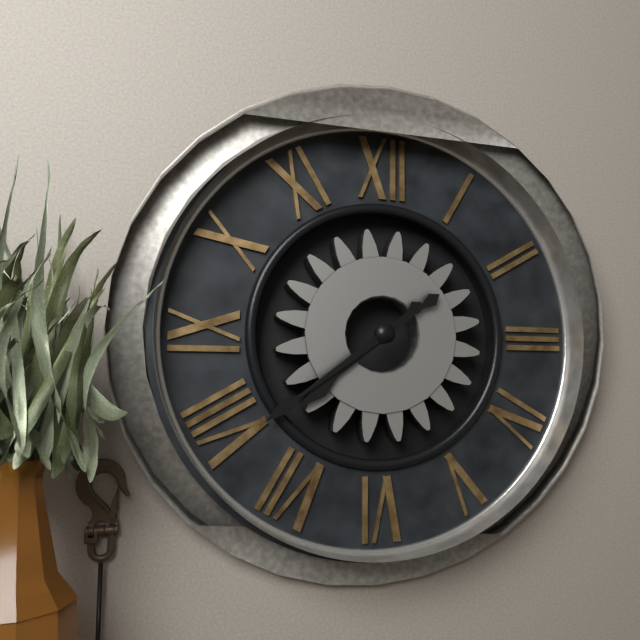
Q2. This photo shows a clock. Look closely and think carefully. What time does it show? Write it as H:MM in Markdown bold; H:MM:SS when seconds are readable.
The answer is **7:39**
